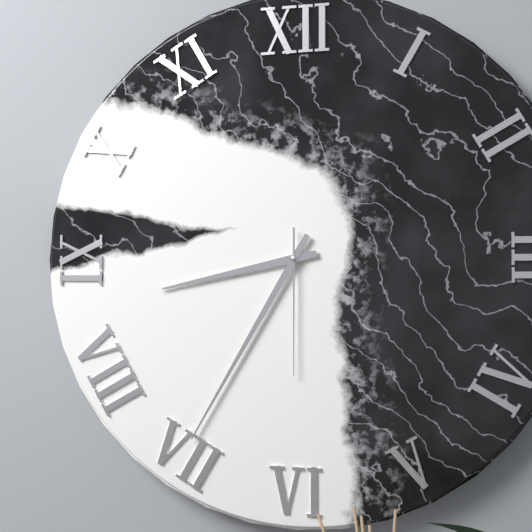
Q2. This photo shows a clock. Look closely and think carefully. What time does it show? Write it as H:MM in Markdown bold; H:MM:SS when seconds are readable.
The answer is **8:35:30**
